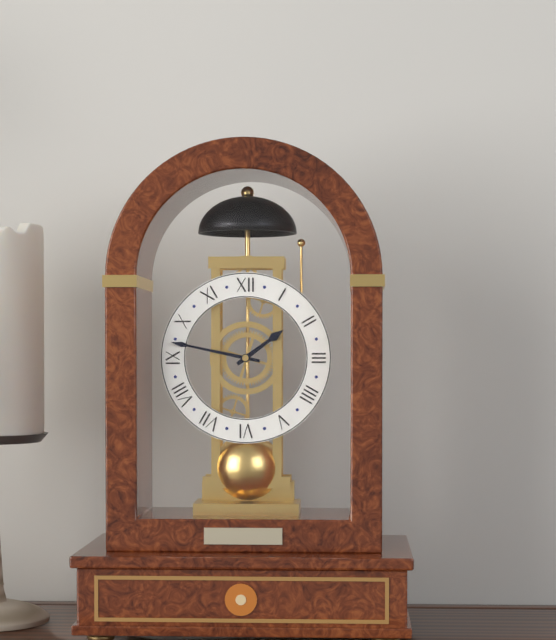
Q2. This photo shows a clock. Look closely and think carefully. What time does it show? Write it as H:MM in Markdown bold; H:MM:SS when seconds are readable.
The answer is **1:47**
